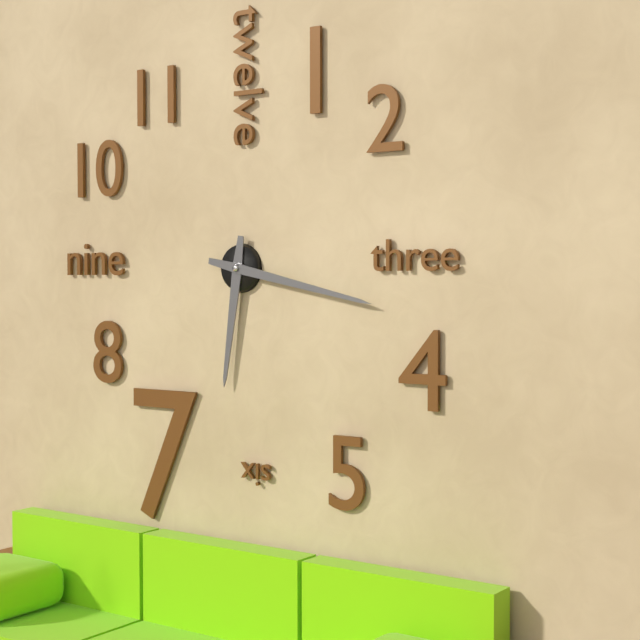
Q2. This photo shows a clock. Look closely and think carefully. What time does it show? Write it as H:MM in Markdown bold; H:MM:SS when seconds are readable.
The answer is **6:17**
